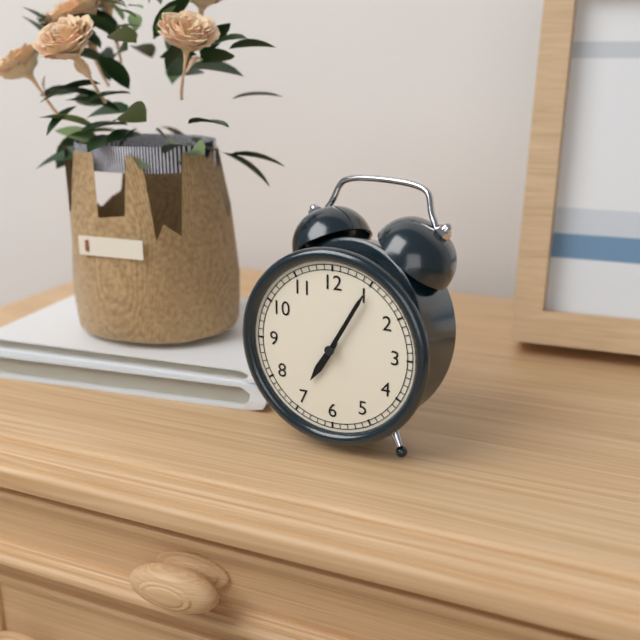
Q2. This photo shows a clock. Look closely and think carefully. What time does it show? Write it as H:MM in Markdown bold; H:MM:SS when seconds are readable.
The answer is **7:05**
